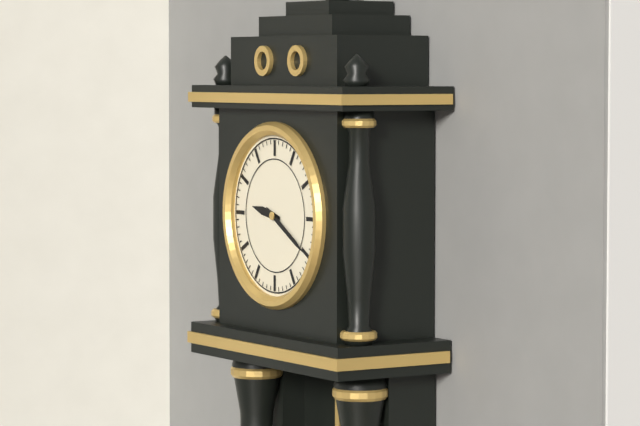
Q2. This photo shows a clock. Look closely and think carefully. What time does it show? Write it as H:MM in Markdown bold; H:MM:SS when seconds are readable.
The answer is **9:20**
